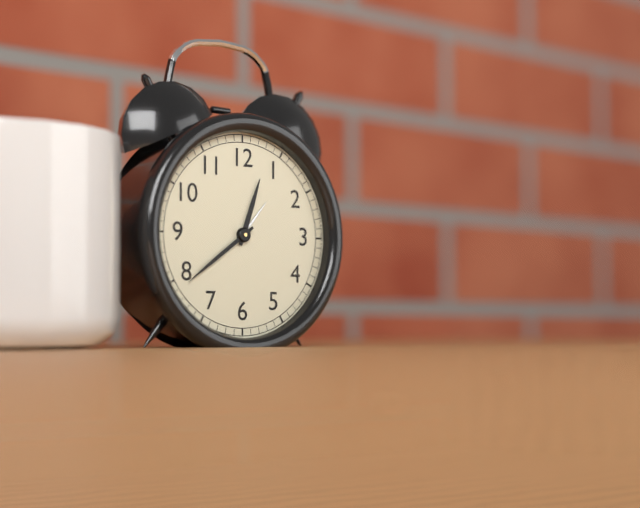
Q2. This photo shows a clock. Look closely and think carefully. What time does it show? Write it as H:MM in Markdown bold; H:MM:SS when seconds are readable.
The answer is **12:39**
